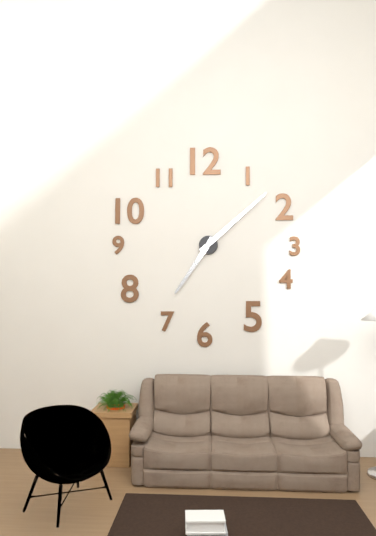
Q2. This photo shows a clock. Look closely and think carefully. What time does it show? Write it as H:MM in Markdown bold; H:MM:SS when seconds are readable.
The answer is **7:08**
